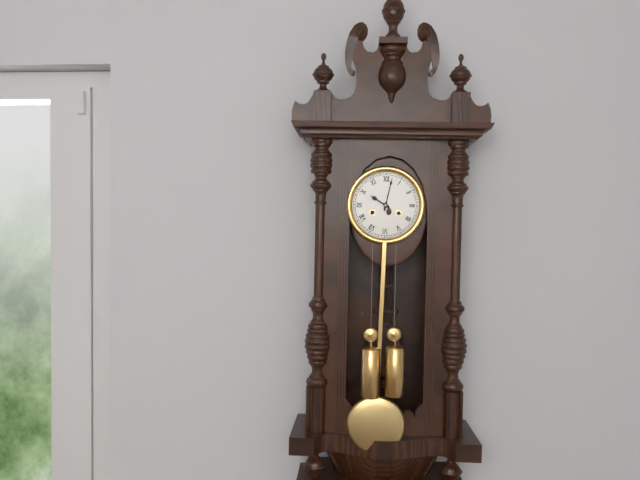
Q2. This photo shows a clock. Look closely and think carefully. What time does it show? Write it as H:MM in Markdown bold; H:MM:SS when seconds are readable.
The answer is **10:02**
